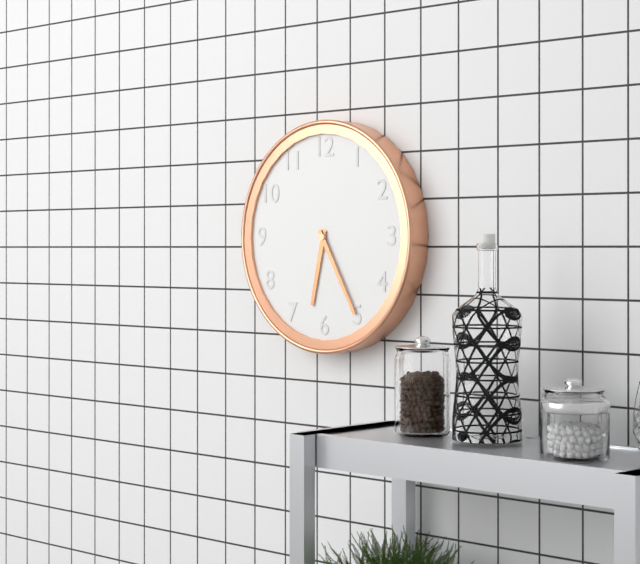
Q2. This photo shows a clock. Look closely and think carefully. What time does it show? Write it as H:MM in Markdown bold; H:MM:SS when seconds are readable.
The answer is **6:25**
